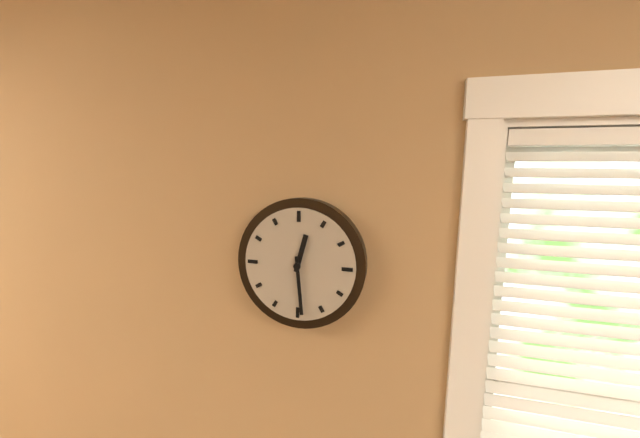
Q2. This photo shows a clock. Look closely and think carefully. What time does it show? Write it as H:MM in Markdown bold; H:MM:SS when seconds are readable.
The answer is **12:29**
